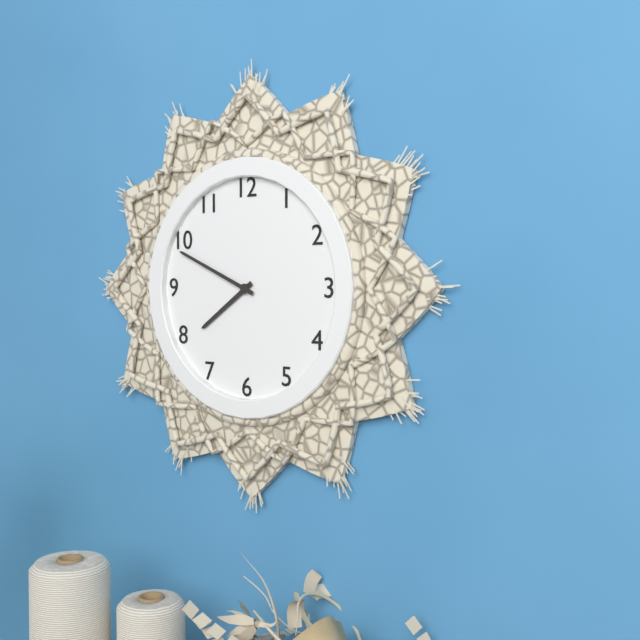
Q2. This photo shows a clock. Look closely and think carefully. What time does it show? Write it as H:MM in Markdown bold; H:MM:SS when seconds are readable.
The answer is **7:49**
